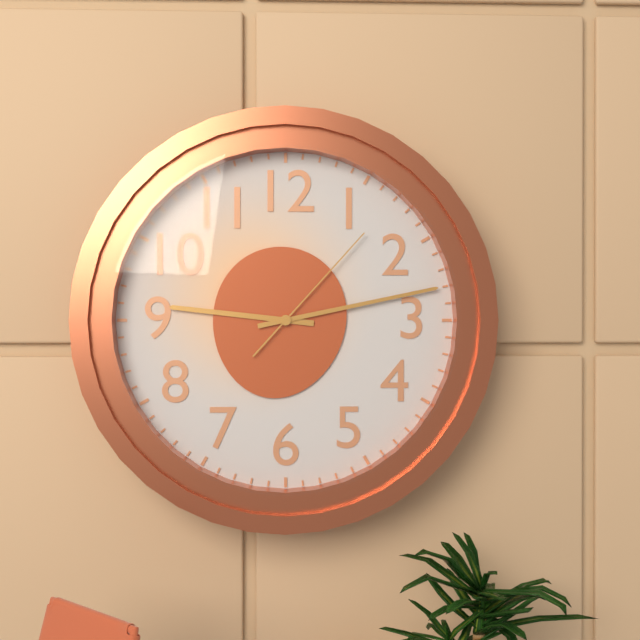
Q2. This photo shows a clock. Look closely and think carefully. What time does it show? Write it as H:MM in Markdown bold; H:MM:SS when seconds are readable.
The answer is **9:13:07**
